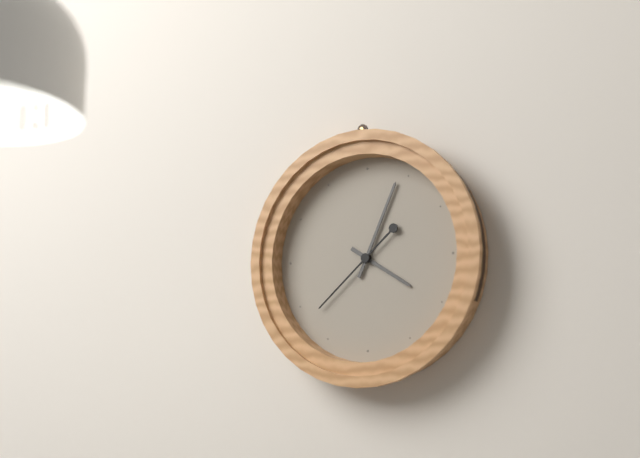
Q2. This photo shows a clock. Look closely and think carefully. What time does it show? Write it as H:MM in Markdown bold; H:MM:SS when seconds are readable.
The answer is **4:04:38**
